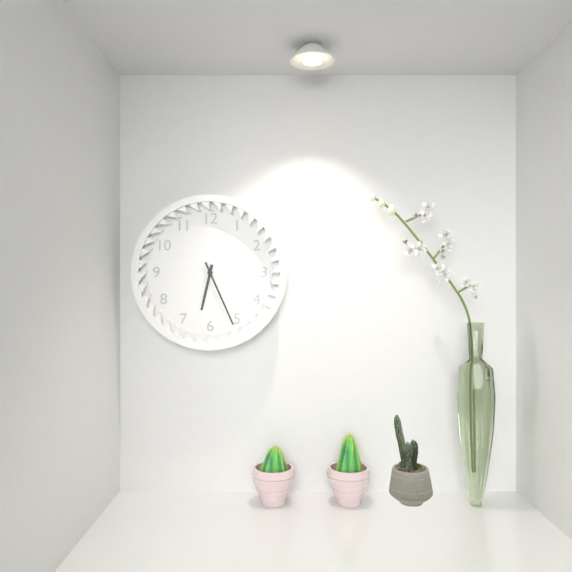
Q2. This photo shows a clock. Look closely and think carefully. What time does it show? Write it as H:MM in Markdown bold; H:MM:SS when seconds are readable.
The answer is **6:26**
